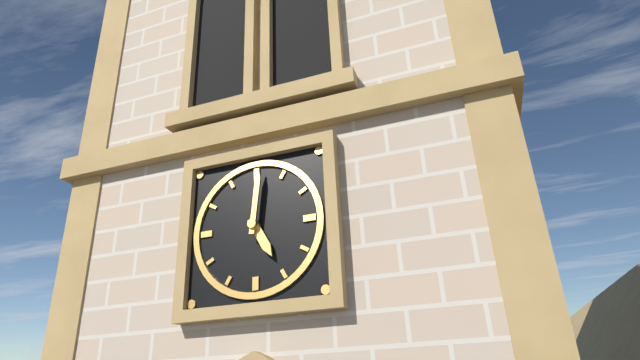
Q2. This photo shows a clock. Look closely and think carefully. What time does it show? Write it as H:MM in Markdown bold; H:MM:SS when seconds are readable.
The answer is **5:01**
